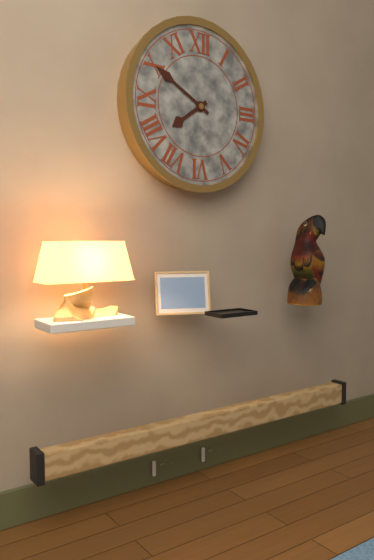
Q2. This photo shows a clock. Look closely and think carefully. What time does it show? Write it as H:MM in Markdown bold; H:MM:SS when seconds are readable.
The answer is **7:50**
